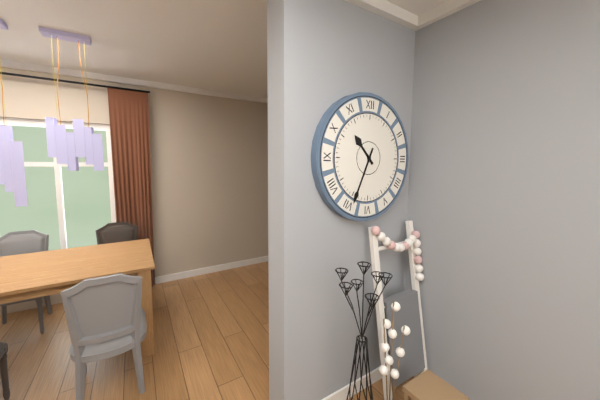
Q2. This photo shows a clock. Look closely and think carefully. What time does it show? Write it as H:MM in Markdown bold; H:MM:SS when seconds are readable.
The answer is **10:34**
